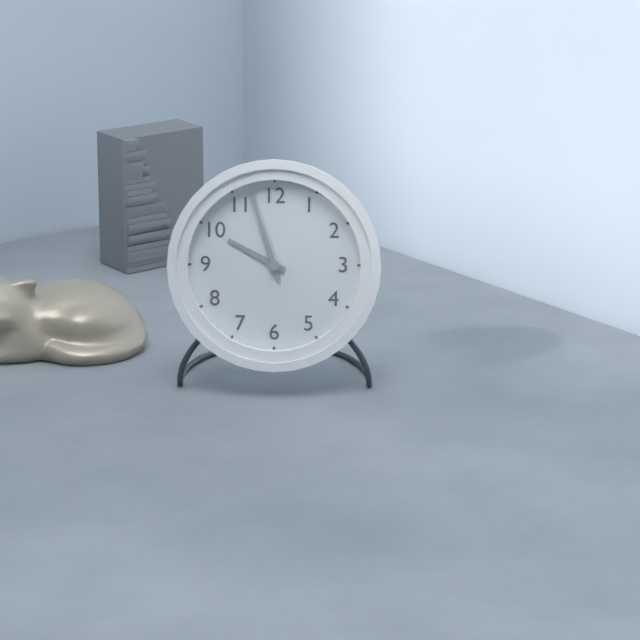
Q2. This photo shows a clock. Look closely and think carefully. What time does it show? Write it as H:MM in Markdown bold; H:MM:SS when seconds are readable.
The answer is **9:57**
